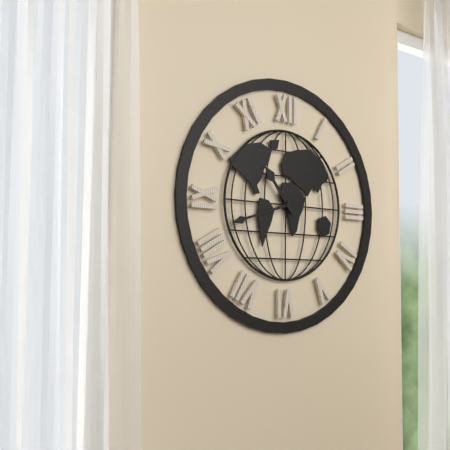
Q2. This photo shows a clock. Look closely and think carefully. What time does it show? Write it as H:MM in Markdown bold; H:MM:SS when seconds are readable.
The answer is **10:42**
